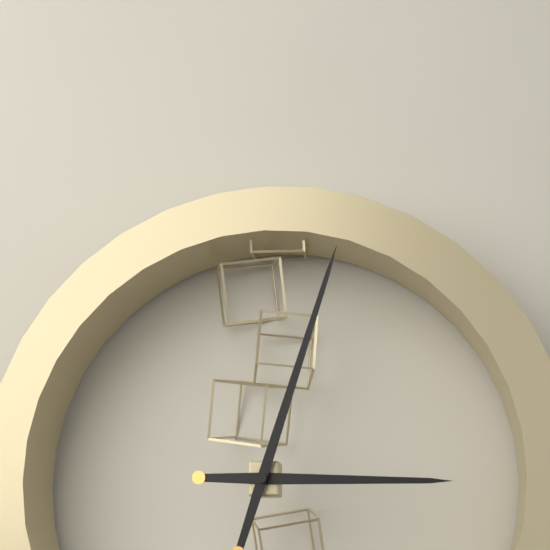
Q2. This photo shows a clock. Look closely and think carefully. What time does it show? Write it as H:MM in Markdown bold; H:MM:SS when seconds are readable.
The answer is **3:03**
